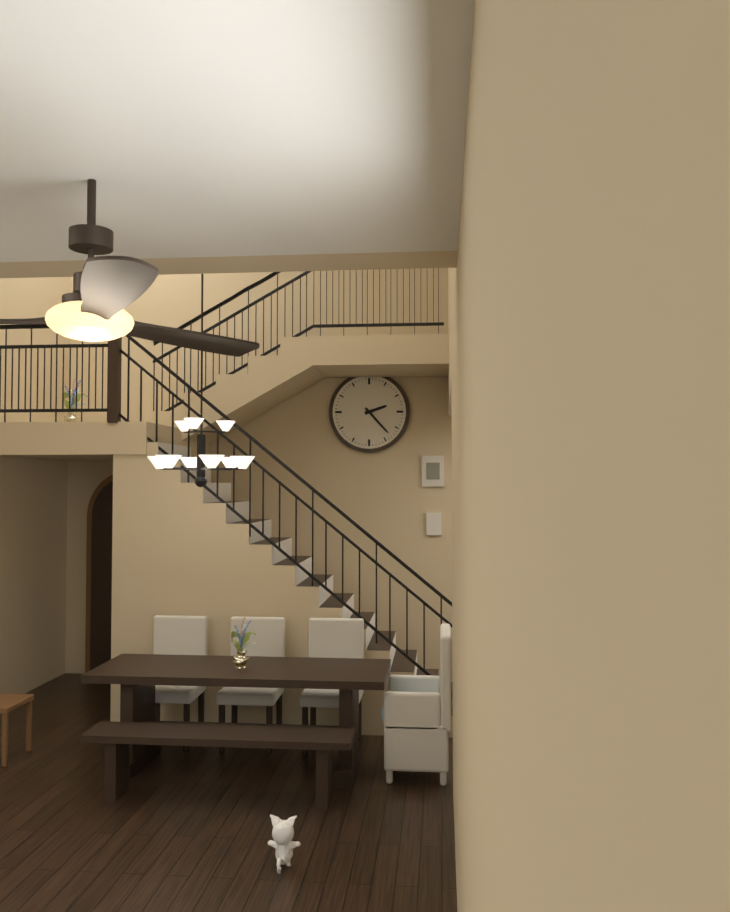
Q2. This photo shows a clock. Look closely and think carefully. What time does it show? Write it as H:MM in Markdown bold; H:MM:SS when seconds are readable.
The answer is **2:23**
